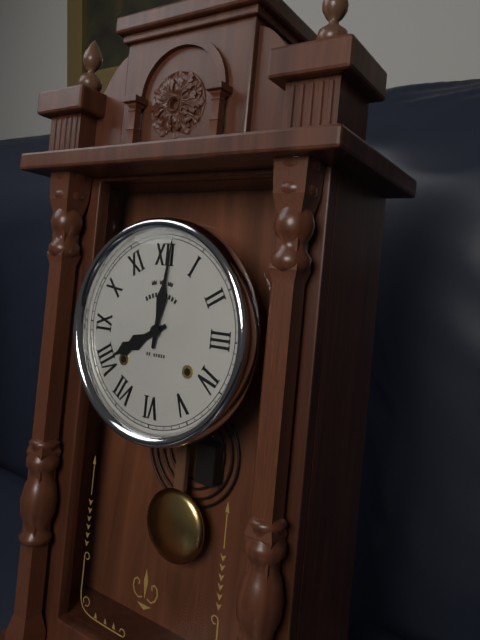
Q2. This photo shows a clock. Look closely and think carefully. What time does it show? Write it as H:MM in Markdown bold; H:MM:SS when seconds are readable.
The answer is **8:01**
